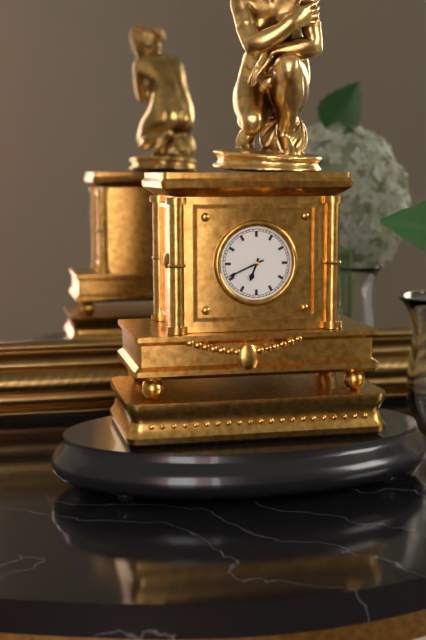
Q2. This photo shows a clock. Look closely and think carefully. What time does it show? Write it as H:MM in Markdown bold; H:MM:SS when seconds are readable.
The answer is **6:41**
